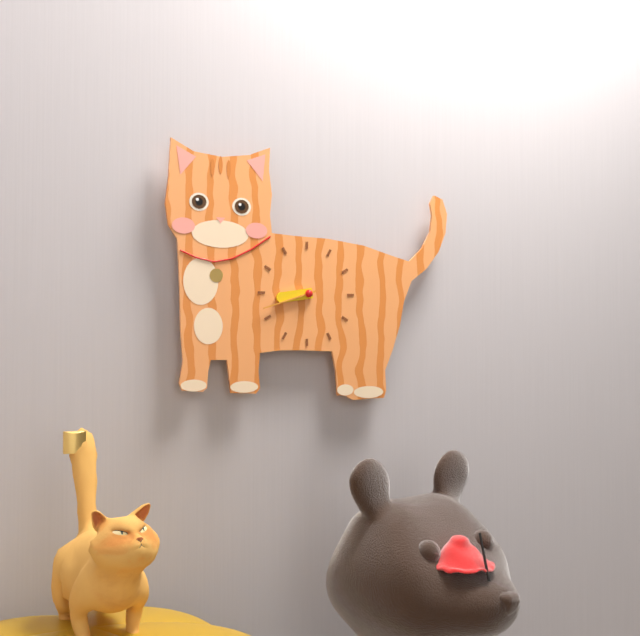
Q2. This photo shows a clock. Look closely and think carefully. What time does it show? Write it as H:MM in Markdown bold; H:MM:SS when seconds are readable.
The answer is **8:42**
